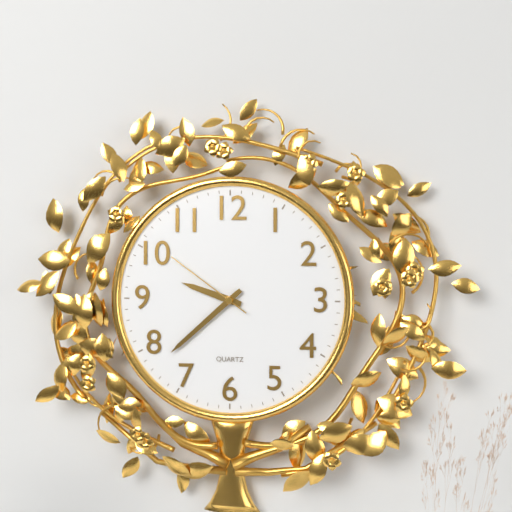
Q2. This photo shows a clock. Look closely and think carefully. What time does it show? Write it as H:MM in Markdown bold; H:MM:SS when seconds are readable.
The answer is **9:38:51**
